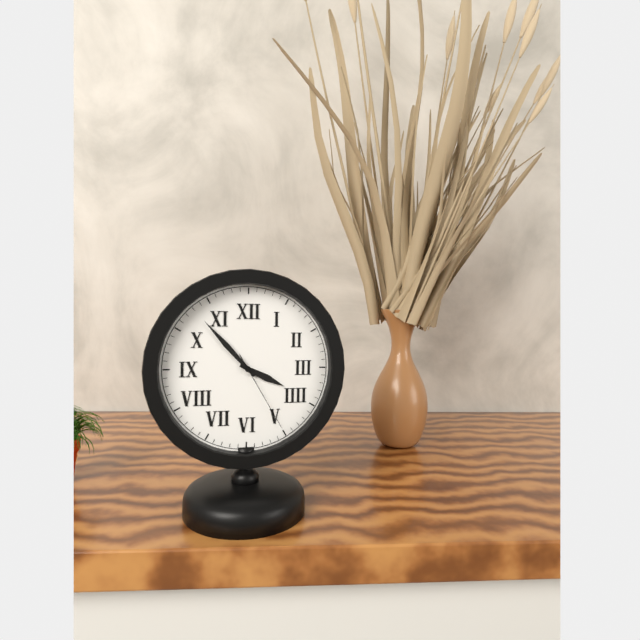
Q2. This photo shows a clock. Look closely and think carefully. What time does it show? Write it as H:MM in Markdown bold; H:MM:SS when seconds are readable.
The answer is **3:53:25**
